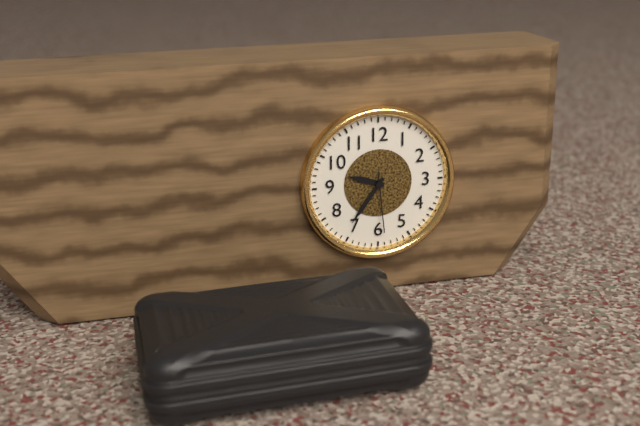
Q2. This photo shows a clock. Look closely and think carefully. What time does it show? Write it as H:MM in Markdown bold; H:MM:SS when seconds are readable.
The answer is **9:36:29**
